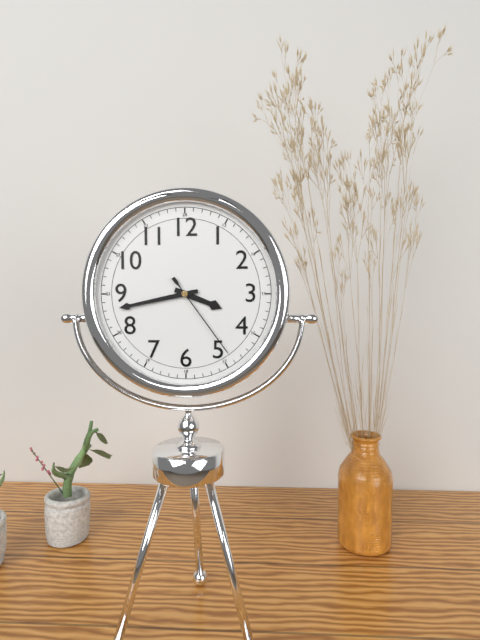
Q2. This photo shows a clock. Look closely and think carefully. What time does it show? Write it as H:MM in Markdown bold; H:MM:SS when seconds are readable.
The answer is **3:43:24**
